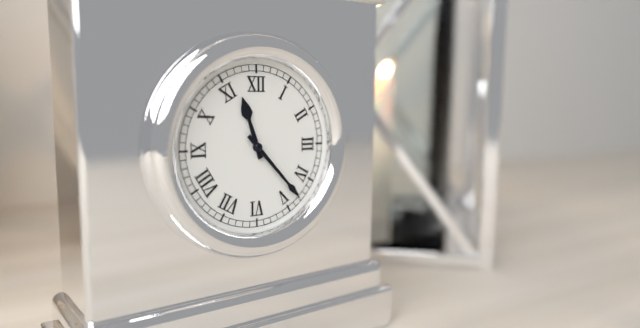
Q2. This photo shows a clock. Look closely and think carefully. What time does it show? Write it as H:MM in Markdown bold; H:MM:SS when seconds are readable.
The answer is **11:23**
